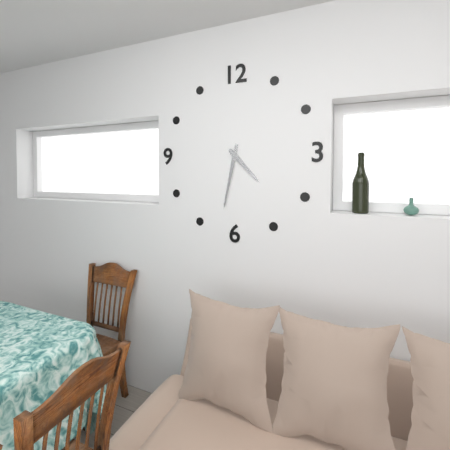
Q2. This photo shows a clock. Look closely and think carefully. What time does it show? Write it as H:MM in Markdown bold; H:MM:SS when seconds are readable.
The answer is **4:32**
